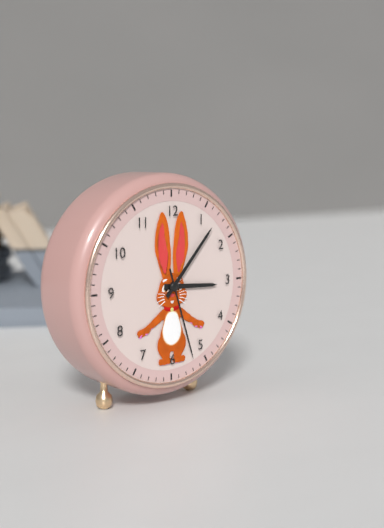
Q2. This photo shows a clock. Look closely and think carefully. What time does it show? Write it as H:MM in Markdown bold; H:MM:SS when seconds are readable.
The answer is **3:07:27**
